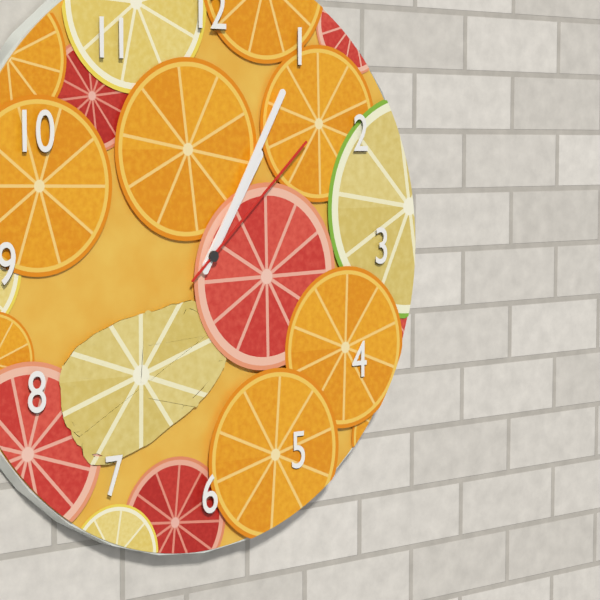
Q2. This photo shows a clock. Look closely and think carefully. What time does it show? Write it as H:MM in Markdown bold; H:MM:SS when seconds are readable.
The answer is **1:05:08**
